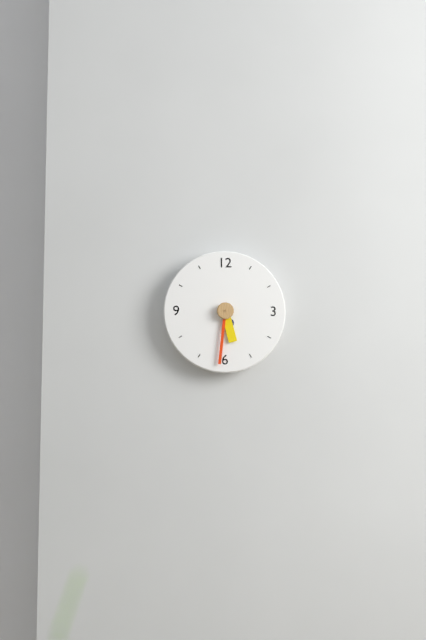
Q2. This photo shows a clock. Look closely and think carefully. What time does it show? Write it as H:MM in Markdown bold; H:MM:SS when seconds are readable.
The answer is **5:31**
